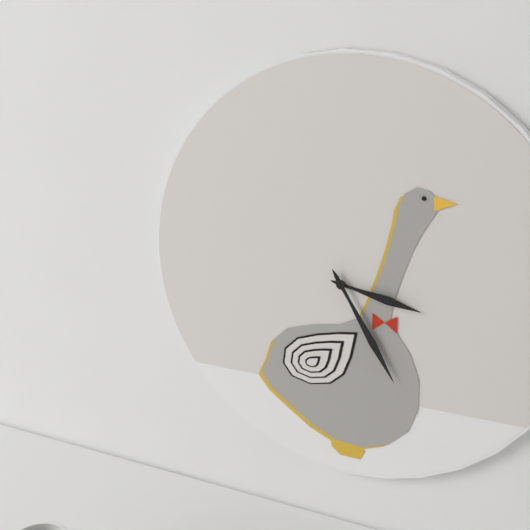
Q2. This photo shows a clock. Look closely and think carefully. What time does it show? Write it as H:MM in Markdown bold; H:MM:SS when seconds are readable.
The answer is **3:25**
